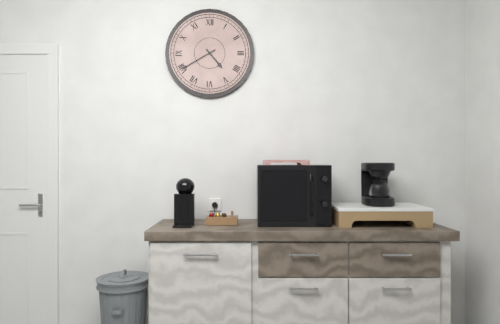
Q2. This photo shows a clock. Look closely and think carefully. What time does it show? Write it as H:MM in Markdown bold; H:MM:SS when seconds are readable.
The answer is **4:40**
